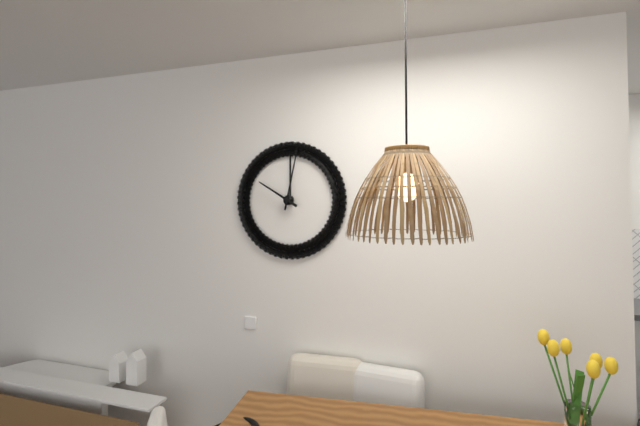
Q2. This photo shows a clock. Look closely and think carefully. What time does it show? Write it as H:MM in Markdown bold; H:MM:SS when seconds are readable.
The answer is **10:02**
